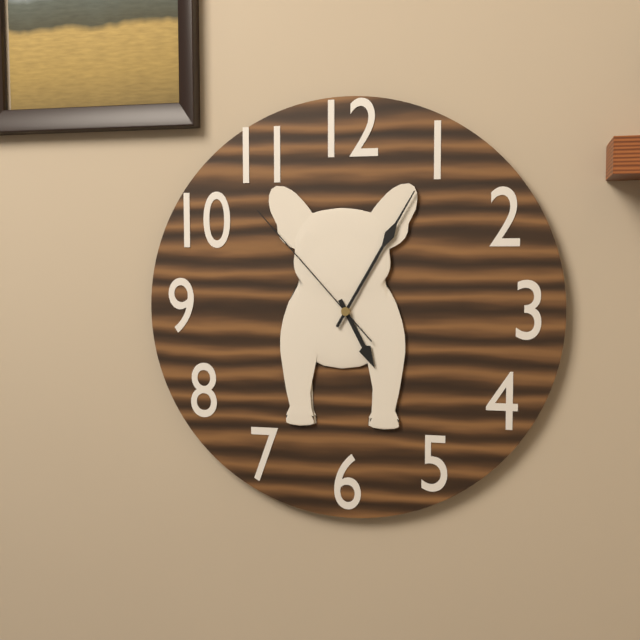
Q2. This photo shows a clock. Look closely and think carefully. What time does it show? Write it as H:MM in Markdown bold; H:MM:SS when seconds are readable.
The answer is **5:05:53**
